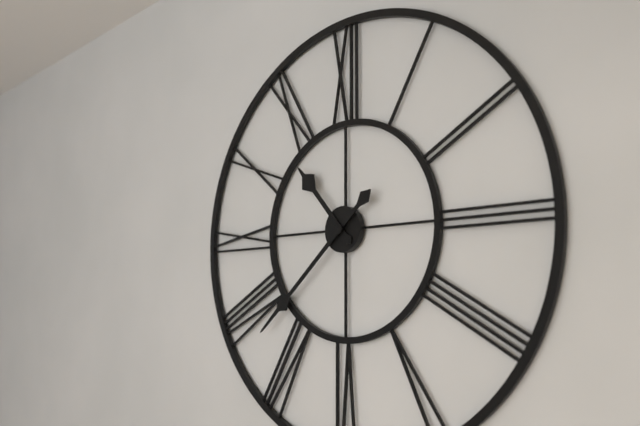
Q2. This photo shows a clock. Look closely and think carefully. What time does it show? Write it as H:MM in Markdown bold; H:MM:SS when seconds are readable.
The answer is **10:38**
